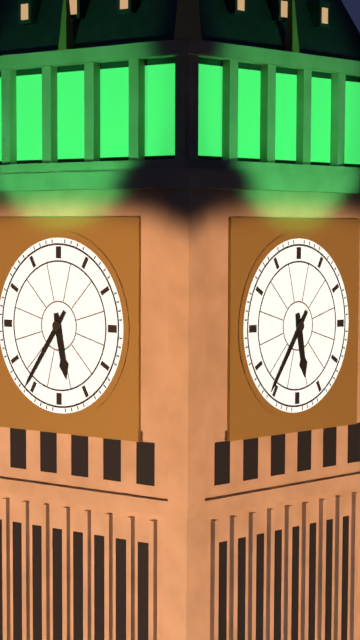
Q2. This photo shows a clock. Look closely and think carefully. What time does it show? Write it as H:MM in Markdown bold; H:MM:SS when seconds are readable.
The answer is **5:36**
